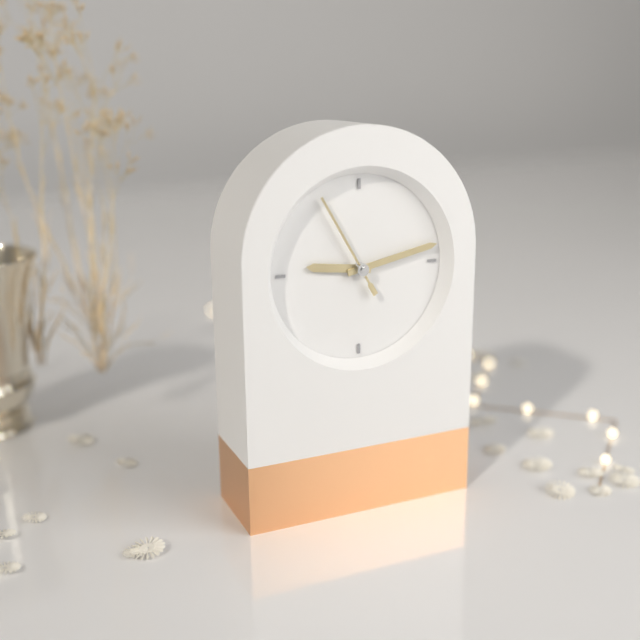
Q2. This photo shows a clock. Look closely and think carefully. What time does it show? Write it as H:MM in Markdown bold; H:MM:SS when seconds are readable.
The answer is **9:13:55**
